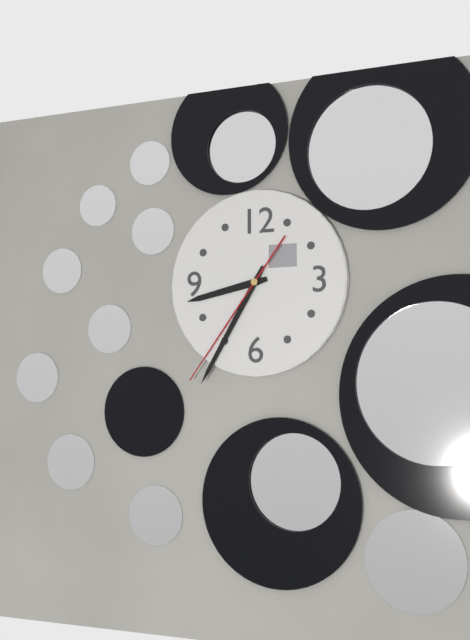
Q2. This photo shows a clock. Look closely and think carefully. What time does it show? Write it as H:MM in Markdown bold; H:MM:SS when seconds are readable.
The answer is **8:35:36**
